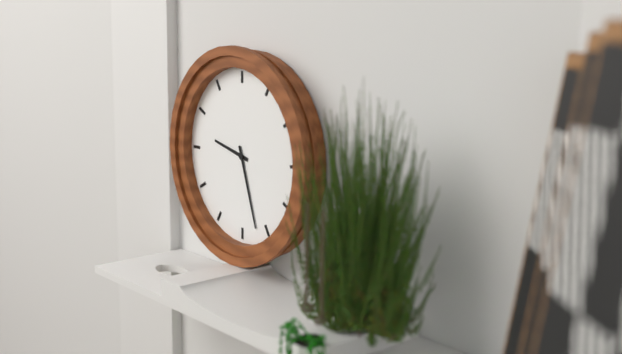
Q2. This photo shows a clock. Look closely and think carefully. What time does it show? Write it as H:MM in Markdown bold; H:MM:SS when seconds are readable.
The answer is **9:27**
